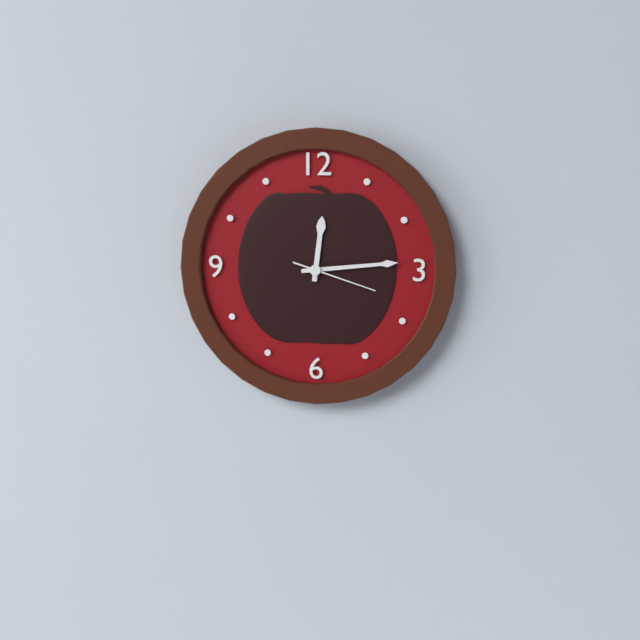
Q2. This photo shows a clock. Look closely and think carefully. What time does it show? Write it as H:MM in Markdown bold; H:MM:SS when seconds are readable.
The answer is **12:14:18**
